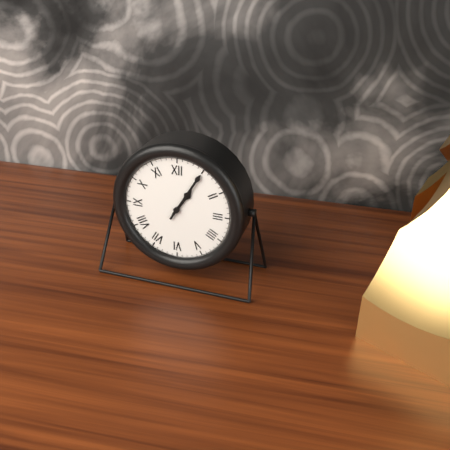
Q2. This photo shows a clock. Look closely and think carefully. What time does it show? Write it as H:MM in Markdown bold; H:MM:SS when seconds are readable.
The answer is **1:05**
